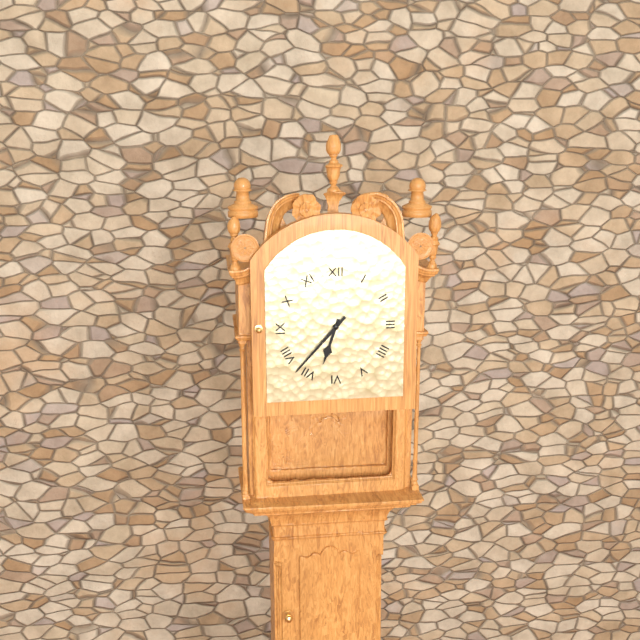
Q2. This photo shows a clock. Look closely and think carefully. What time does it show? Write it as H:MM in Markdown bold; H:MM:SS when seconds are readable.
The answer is **6:37**
